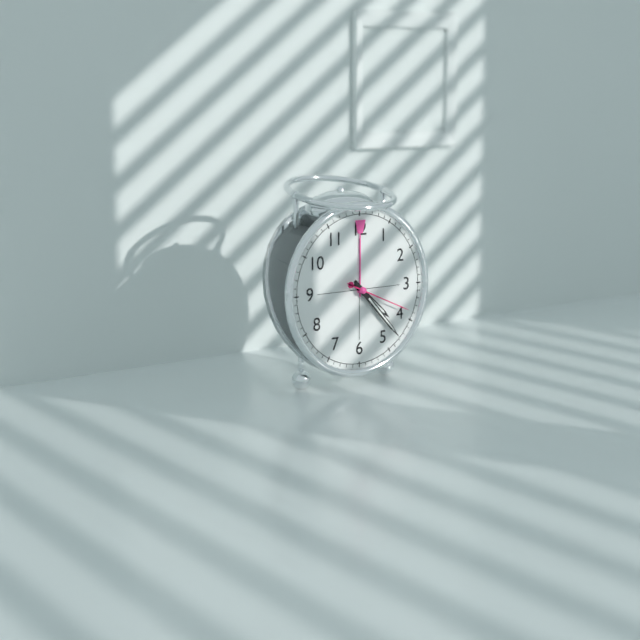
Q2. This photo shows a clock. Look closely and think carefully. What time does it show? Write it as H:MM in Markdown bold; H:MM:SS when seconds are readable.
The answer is **4:23:19**
